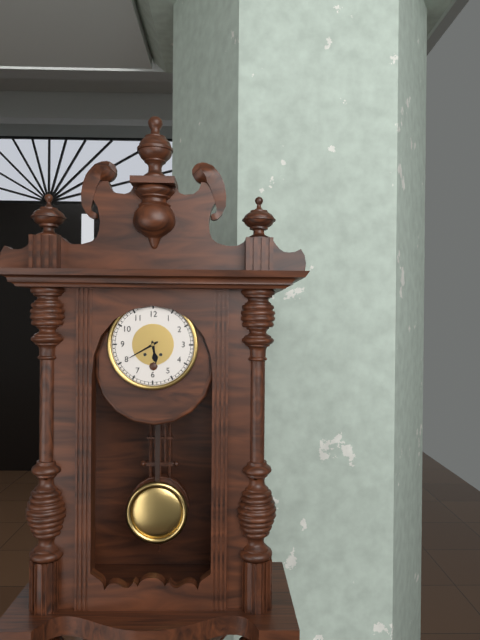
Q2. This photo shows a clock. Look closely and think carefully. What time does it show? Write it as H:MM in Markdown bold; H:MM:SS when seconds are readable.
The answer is **5:40**
